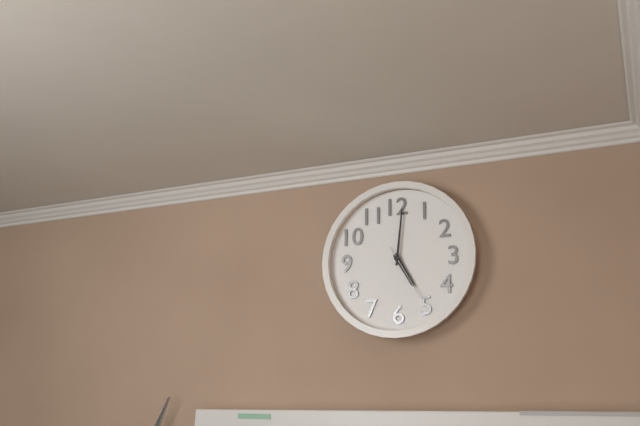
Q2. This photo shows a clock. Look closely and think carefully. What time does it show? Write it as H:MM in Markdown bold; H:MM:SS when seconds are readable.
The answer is **5:01:25**
